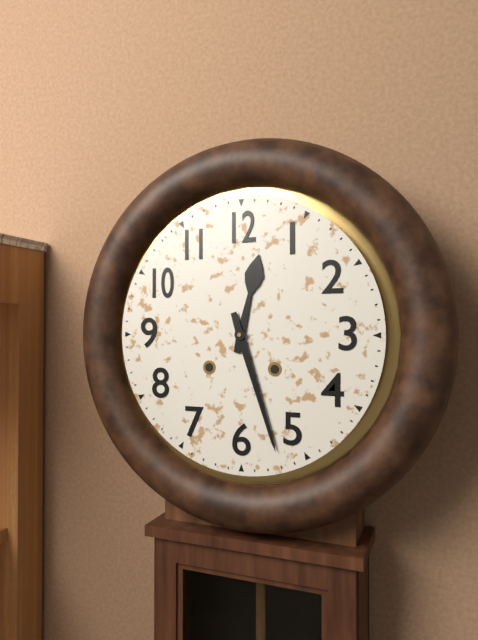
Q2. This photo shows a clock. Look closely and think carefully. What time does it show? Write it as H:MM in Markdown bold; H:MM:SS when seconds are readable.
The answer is **12:27**
